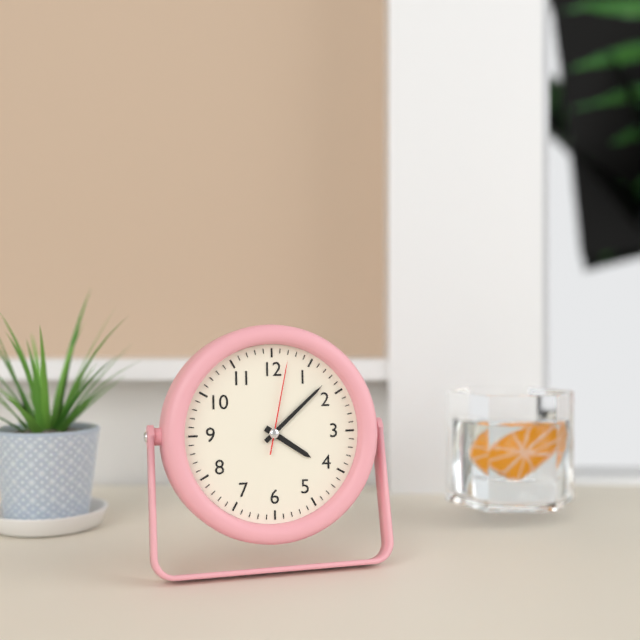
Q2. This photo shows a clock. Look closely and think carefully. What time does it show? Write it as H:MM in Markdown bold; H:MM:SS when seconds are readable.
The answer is **4:08:02**
